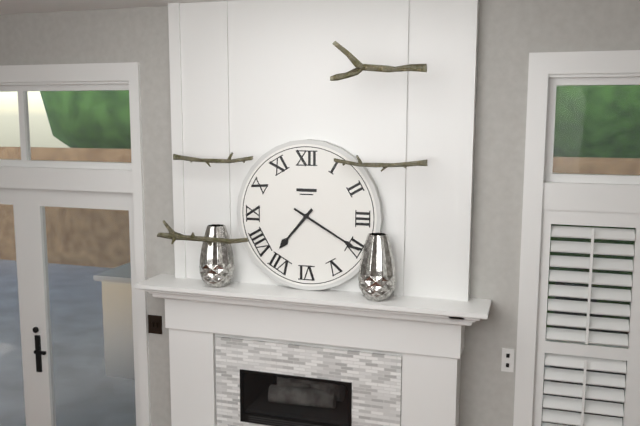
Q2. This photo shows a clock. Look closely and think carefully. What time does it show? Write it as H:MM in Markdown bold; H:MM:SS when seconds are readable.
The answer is **7:20**
